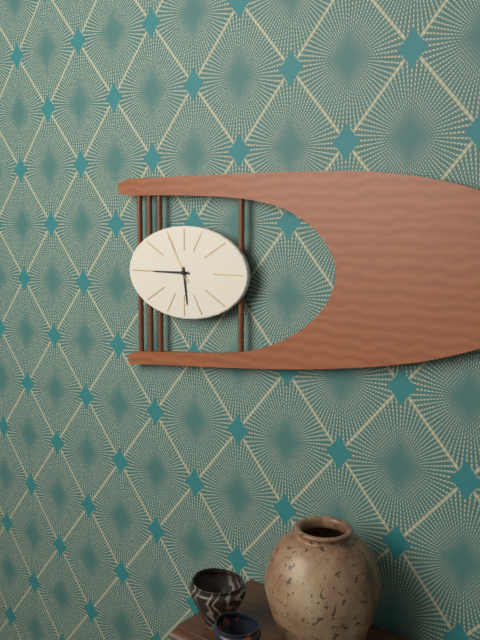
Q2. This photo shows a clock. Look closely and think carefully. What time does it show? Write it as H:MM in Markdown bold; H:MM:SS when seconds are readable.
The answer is **5:45:55**
